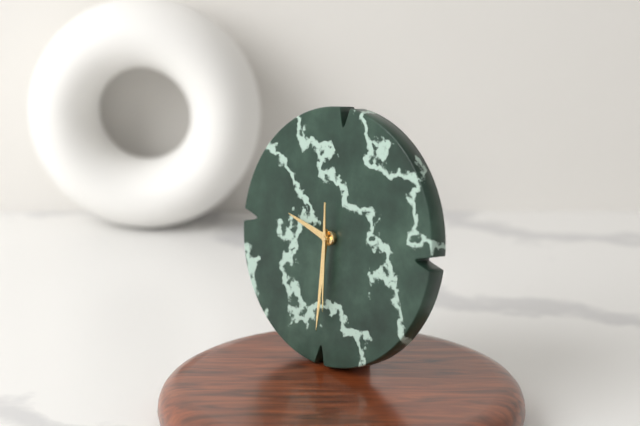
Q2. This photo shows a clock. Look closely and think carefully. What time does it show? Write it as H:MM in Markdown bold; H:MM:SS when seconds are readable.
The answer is **9:30:29**
